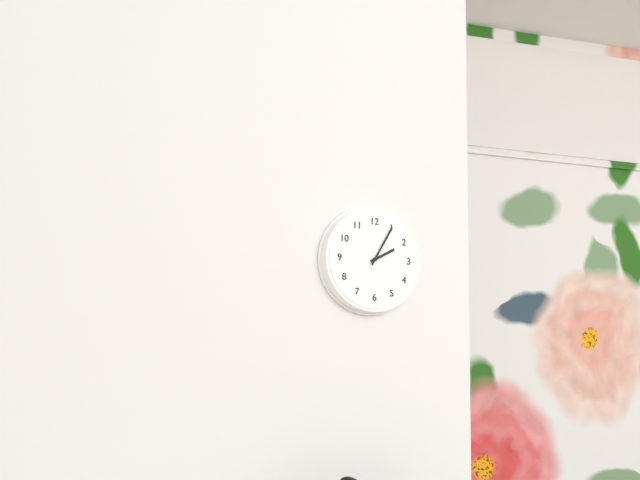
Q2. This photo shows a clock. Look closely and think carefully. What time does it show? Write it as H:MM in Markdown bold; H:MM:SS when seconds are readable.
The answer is **2:05**
